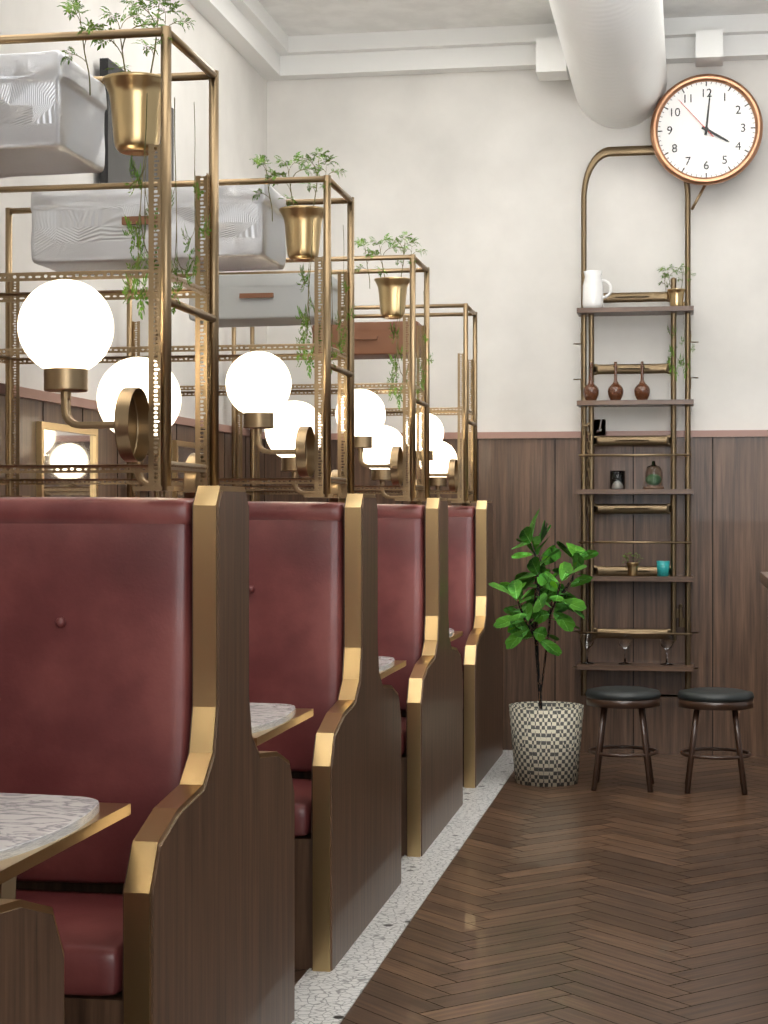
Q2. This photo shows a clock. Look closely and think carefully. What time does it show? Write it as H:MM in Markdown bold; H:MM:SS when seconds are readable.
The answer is **4:01:53**
